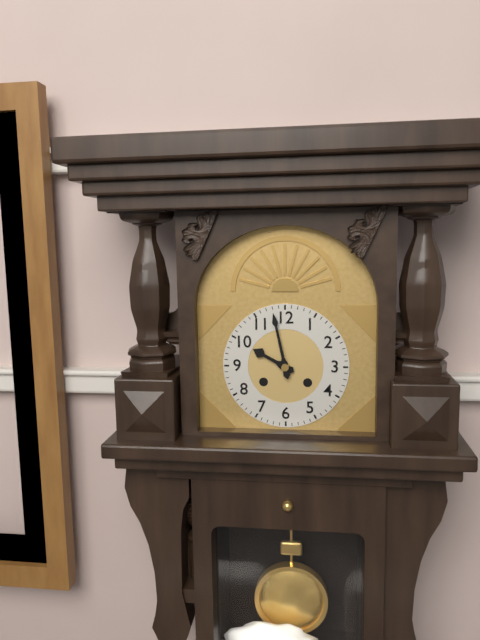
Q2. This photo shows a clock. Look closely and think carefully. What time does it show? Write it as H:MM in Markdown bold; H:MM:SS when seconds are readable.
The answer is **9:58**
